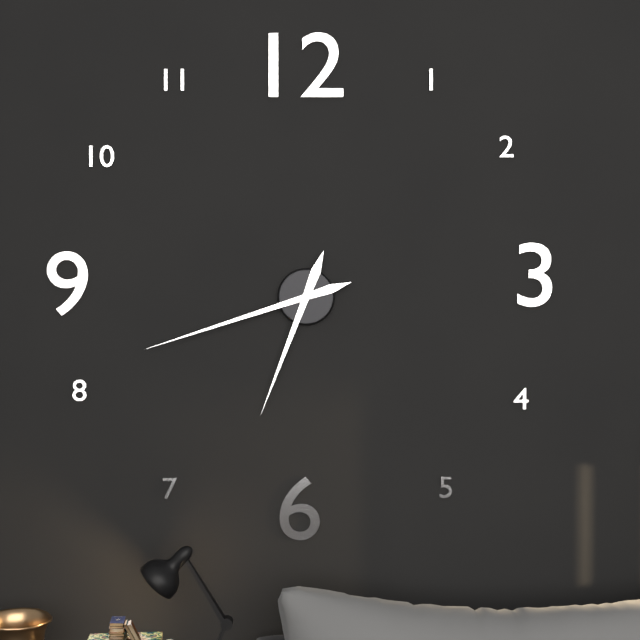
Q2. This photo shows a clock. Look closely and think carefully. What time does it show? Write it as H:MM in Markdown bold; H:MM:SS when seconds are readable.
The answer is **6:42**
